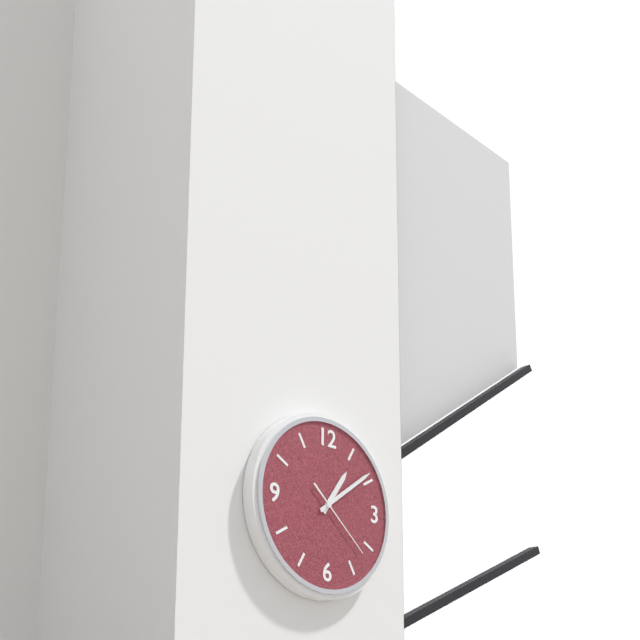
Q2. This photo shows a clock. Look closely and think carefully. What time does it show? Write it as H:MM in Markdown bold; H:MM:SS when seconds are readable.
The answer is **1:09:22**
